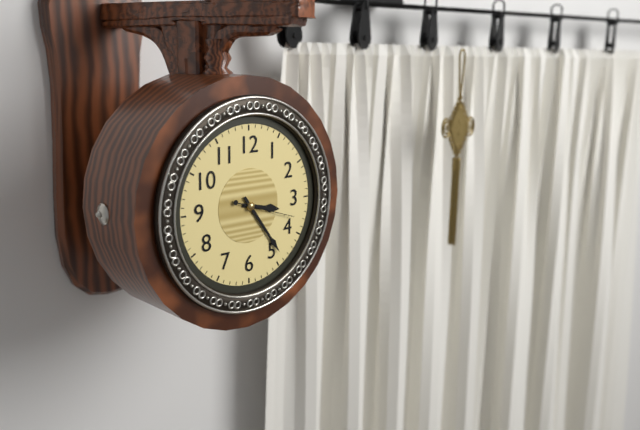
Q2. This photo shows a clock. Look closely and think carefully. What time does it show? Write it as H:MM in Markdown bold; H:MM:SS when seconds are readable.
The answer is **3:24:18**
